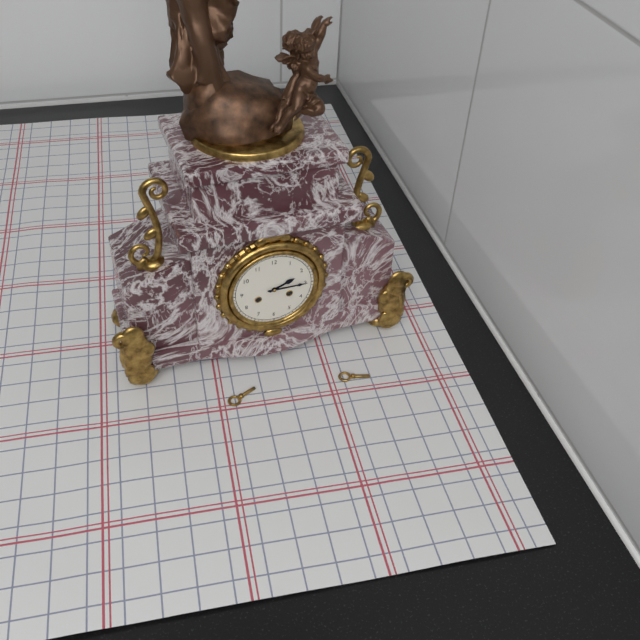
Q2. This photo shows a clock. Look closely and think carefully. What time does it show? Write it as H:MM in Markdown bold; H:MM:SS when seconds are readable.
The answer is **2:15**
